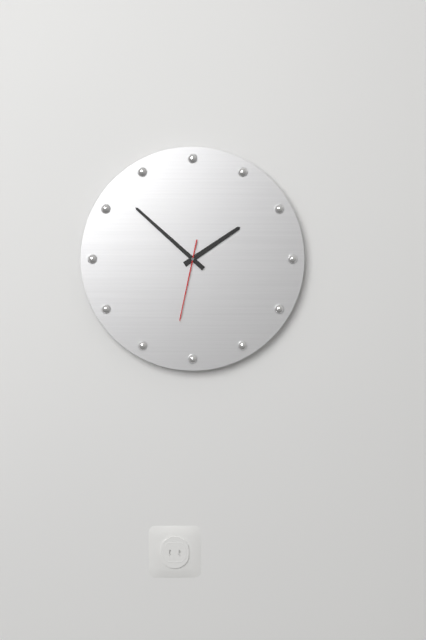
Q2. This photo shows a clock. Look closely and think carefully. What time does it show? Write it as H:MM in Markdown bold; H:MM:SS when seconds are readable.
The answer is **1:52:32**
